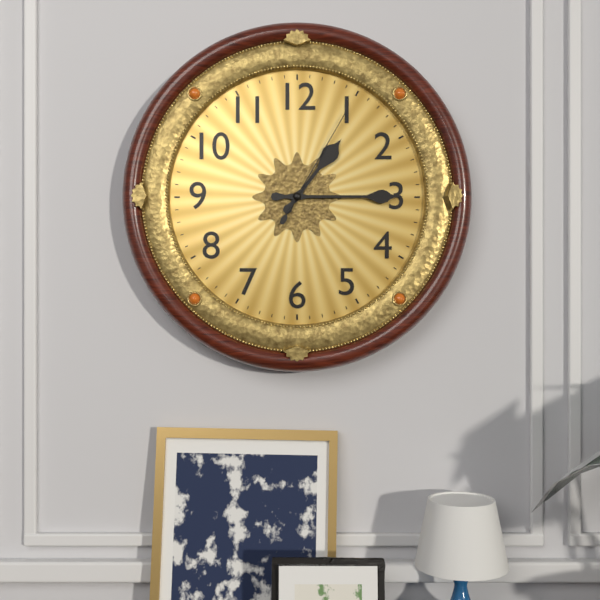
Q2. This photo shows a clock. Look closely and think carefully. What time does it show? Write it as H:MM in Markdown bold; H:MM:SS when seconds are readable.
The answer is **1:15:05**
